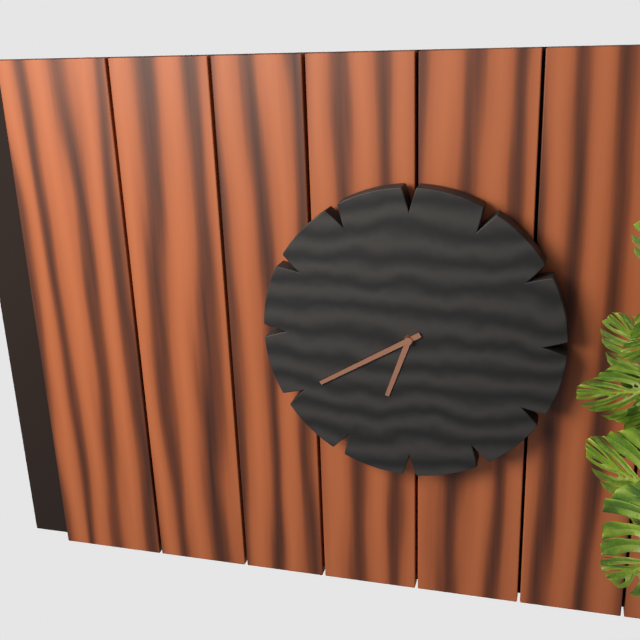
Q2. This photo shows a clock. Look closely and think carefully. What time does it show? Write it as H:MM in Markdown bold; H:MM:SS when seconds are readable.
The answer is **6:40**
